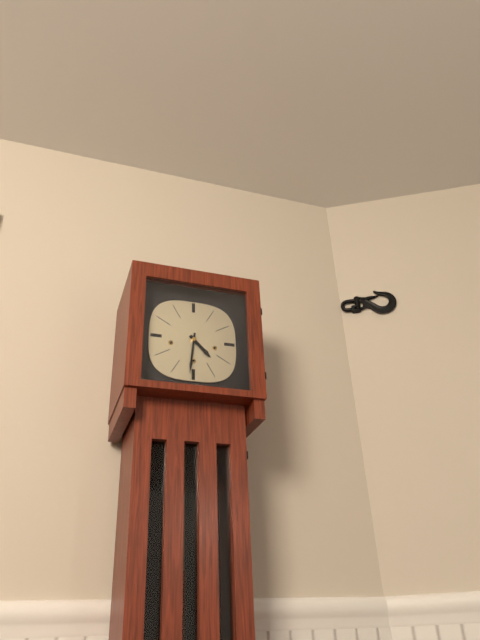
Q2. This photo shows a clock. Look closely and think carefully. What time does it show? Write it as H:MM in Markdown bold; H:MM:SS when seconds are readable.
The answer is **4:31**
